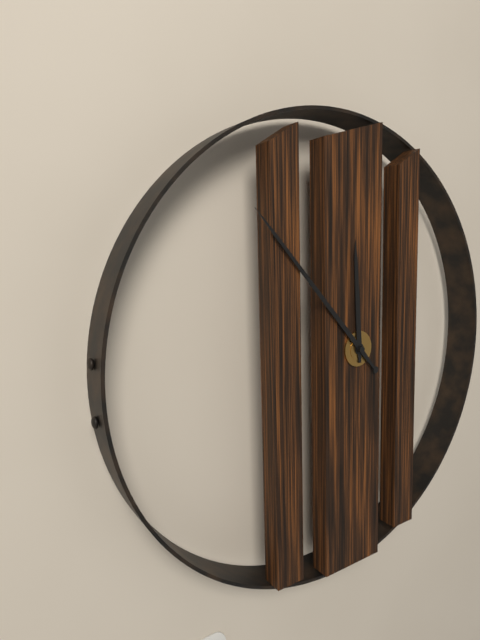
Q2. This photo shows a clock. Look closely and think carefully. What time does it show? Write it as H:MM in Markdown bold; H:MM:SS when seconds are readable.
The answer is **11:53**
